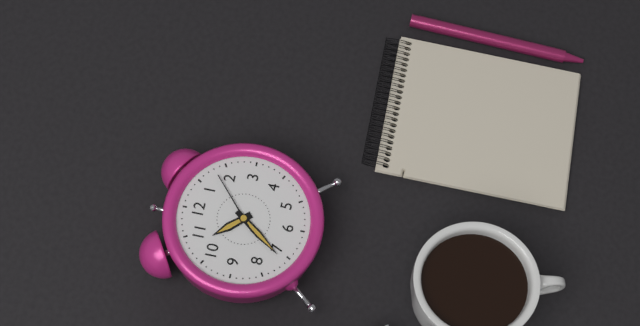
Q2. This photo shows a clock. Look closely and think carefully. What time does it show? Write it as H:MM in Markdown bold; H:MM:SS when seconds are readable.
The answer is **10:36:08**
